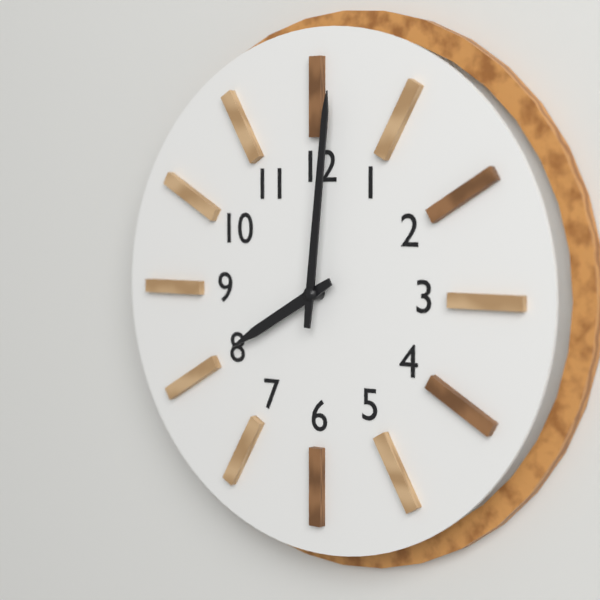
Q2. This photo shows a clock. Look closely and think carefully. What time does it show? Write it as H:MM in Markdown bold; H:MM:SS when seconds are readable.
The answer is **8:01**
